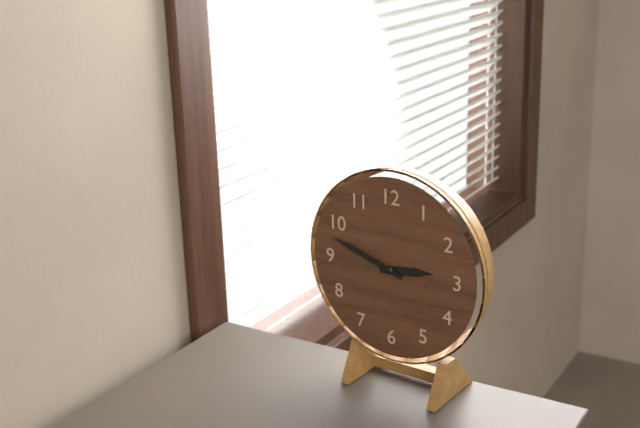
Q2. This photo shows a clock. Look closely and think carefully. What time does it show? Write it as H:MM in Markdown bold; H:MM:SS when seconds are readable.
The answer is **2:48**
